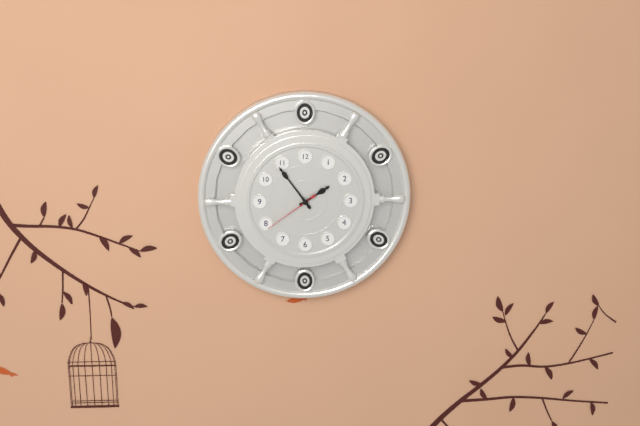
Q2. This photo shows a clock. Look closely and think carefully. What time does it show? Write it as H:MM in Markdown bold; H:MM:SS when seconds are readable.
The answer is **1:54:39**
